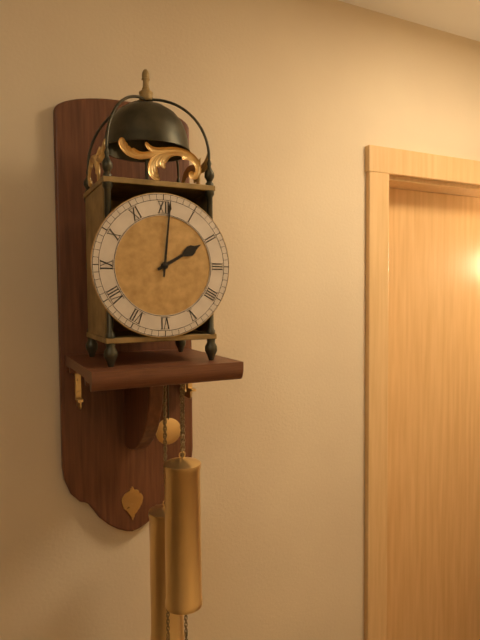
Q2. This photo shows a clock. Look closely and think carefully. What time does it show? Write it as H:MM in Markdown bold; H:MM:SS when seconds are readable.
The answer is **2:01**
